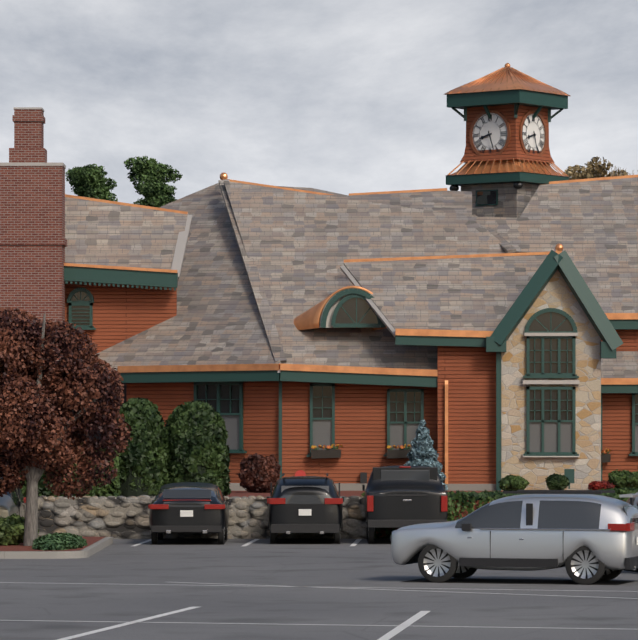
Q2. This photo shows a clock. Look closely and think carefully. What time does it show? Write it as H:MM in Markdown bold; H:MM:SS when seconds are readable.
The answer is **8:27**
